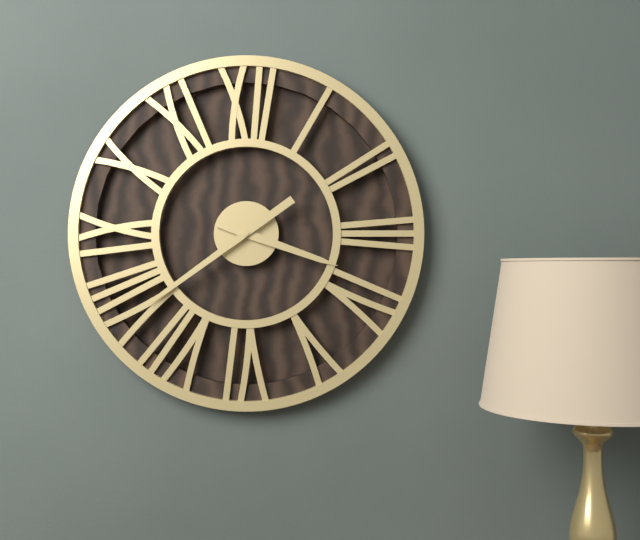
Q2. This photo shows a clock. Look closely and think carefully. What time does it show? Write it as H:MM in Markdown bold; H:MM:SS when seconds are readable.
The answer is **3:39**
